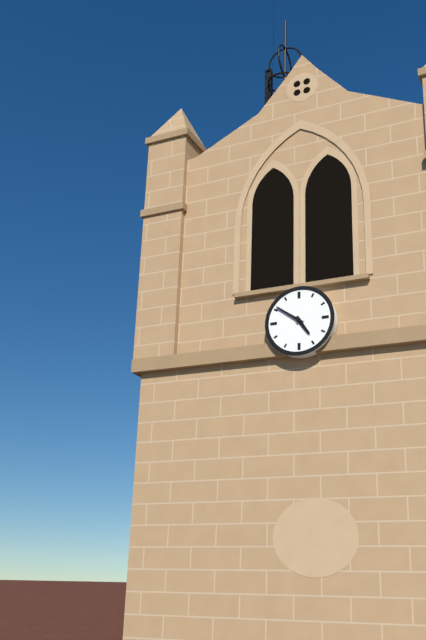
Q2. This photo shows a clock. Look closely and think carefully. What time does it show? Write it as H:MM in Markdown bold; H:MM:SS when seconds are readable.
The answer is **4:51**
